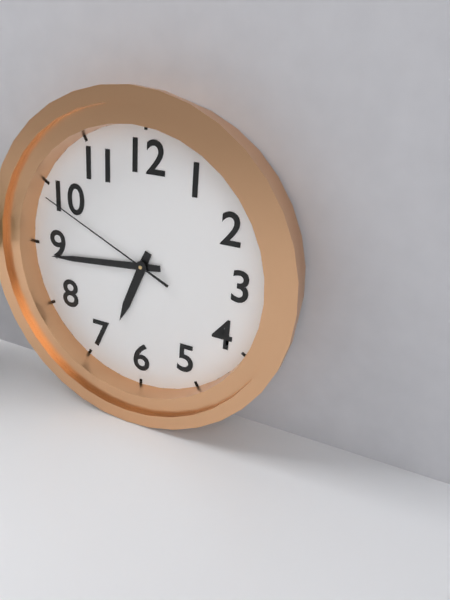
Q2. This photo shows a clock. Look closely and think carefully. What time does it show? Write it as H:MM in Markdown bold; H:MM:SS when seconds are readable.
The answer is **6:44:49**
